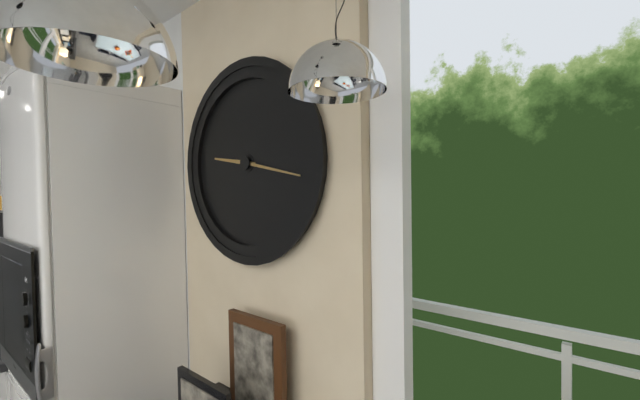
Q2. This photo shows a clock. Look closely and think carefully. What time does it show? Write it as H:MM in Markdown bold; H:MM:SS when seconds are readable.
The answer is **9:17**
